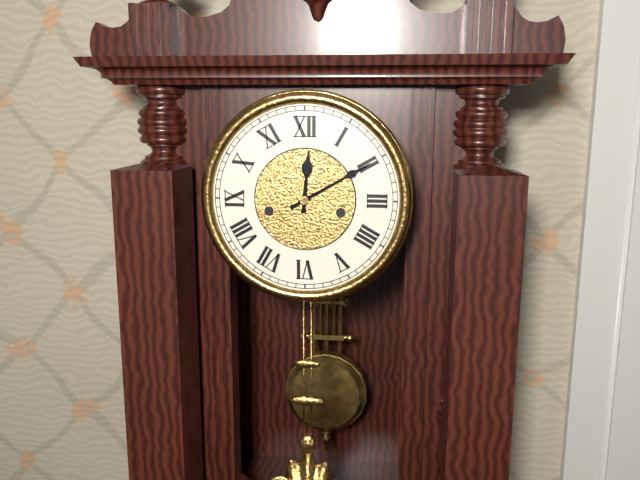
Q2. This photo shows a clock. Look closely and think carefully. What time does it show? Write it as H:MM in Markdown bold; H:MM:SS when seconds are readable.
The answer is **12:10**
